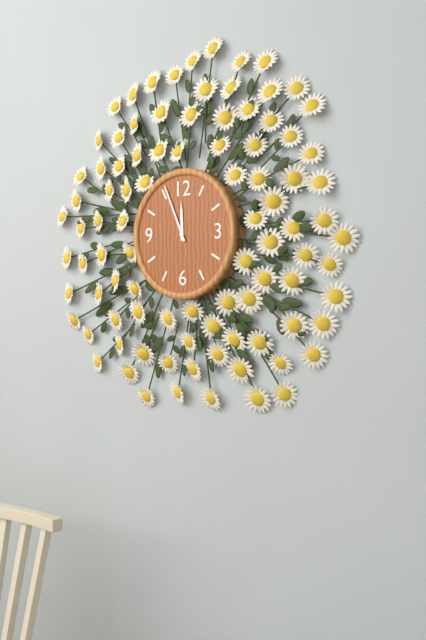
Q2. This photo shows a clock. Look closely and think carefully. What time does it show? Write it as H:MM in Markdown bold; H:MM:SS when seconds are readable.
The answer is **11:56**
